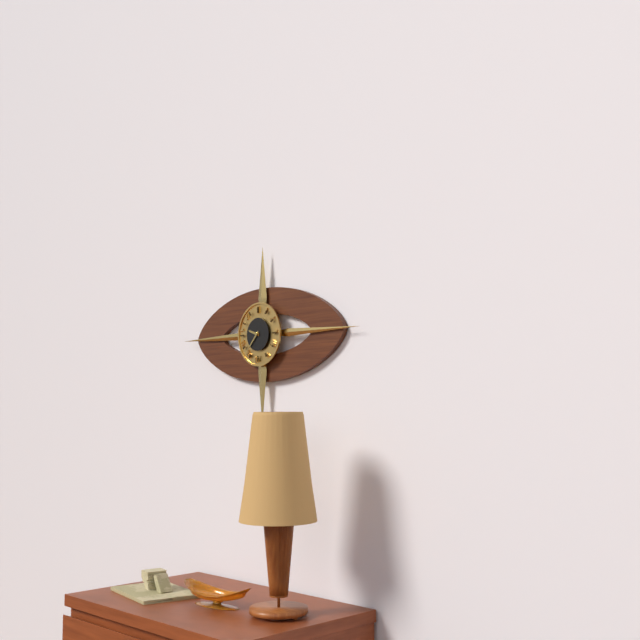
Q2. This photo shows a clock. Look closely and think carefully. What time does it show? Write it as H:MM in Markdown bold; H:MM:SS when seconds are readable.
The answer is **9:37**
